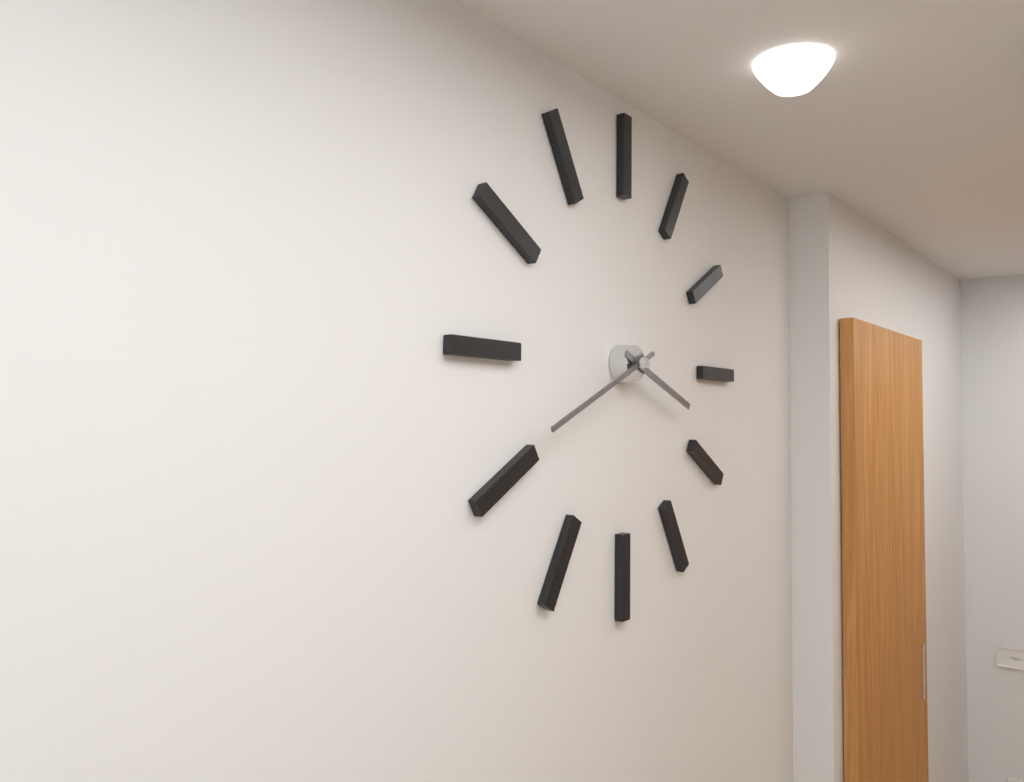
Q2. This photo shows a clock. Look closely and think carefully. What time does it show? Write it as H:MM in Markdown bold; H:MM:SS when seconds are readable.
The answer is **3:41**
